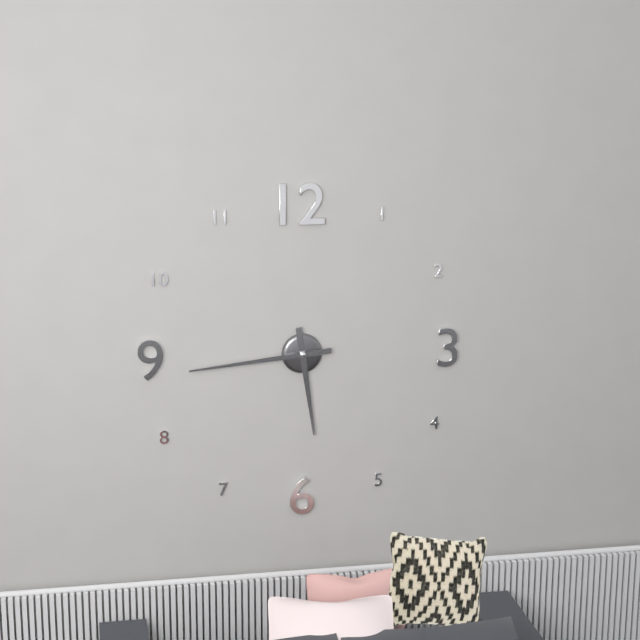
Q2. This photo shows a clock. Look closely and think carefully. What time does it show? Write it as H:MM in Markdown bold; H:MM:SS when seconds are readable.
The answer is **5:44**
